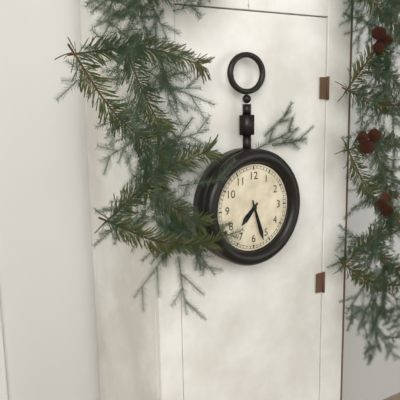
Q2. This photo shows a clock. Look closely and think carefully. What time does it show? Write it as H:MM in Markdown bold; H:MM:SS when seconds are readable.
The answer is **7:27**
